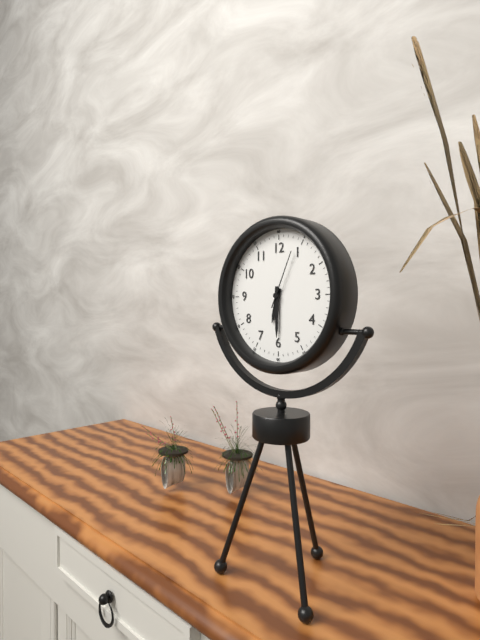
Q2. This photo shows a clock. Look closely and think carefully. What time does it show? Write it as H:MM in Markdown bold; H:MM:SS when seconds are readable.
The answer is **6:30:04**
